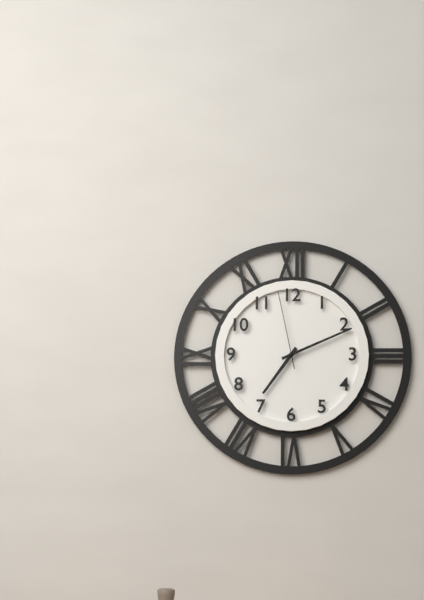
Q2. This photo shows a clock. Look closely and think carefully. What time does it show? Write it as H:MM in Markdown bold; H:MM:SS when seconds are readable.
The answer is **7:11:58**
